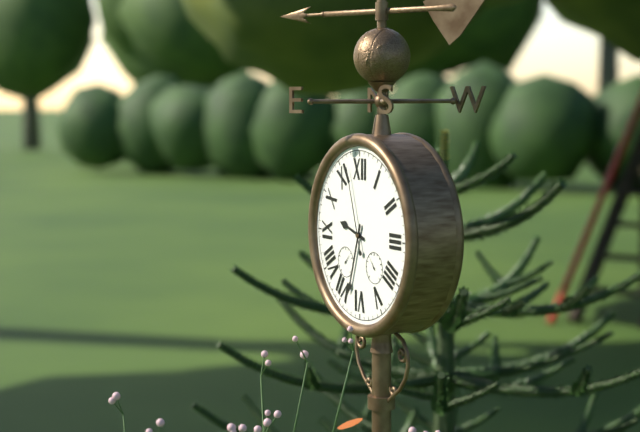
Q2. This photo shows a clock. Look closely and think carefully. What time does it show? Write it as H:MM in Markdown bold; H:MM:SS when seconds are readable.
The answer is **9:33:57**
